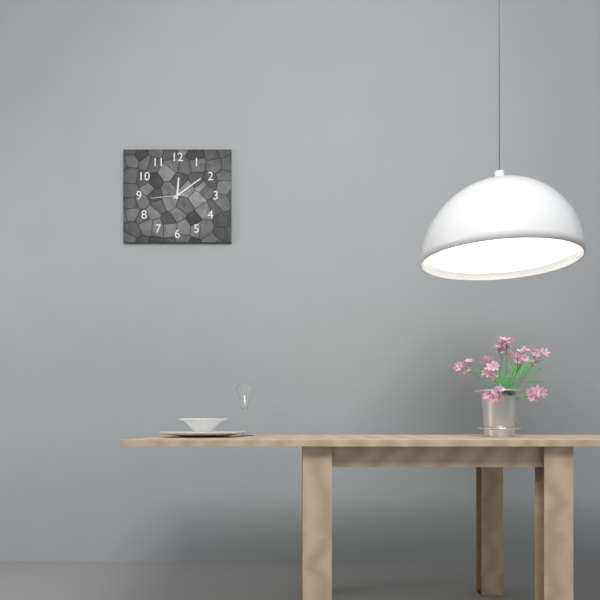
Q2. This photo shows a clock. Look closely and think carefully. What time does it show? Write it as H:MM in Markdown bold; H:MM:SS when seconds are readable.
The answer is **12:09**
